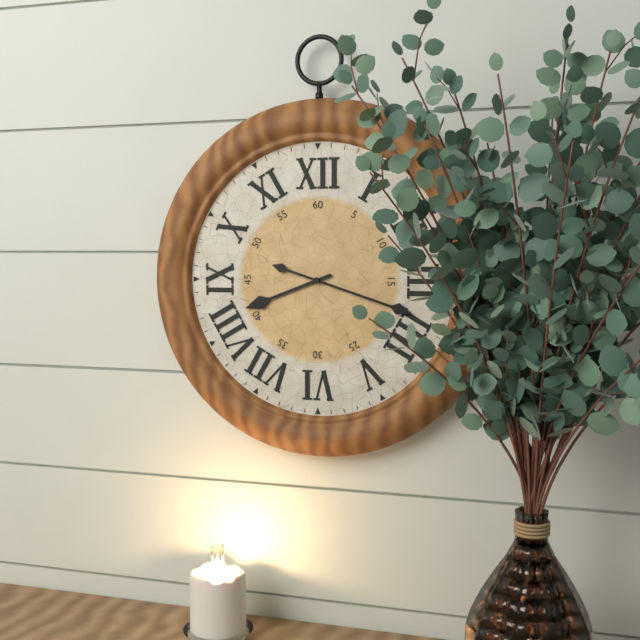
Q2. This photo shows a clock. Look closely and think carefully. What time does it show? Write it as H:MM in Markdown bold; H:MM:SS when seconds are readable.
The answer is **8:18**
